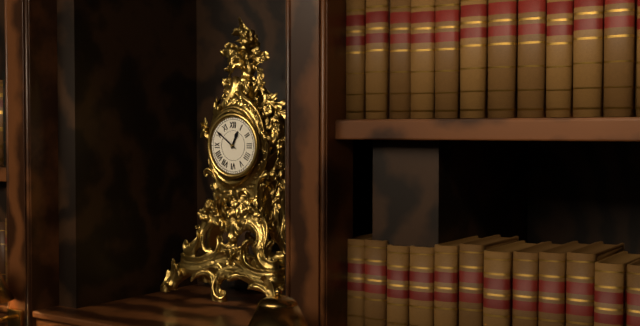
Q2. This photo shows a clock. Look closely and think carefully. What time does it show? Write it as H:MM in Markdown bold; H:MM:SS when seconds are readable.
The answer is **12:51**
